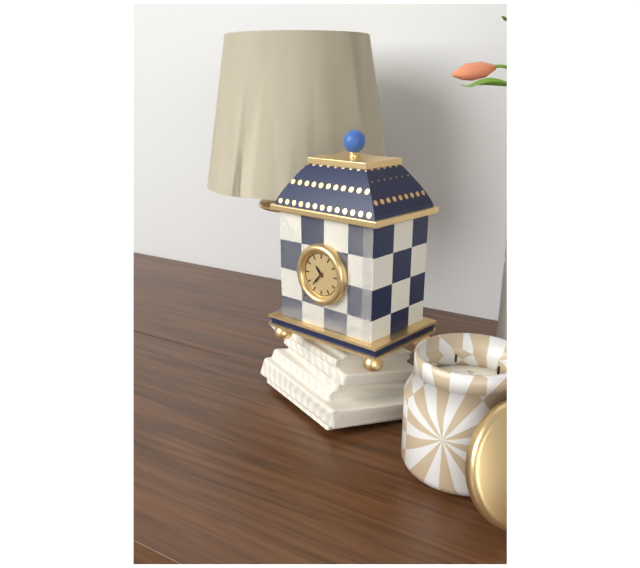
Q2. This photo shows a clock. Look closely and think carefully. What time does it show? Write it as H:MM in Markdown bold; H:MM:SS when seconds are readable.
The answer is **10:37**
